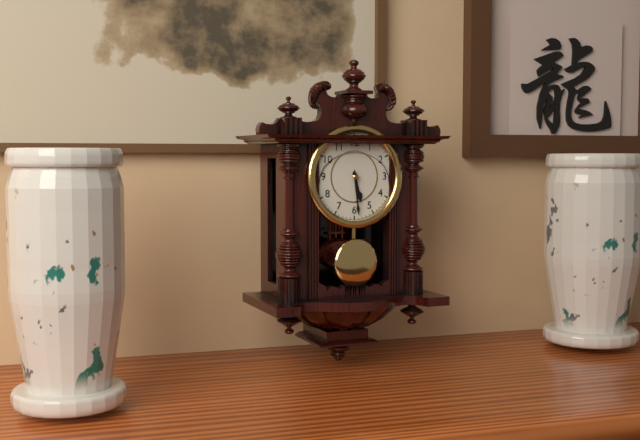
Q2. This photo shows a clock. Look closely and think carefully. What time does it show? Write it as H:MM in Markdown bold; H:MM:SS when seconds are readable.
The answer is **5:29**
